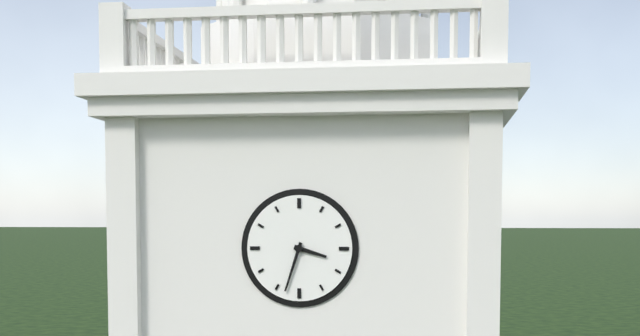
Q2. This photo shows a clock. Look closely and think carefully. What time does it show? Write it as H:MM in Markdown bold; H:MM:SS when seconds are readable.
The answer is **3:33**
